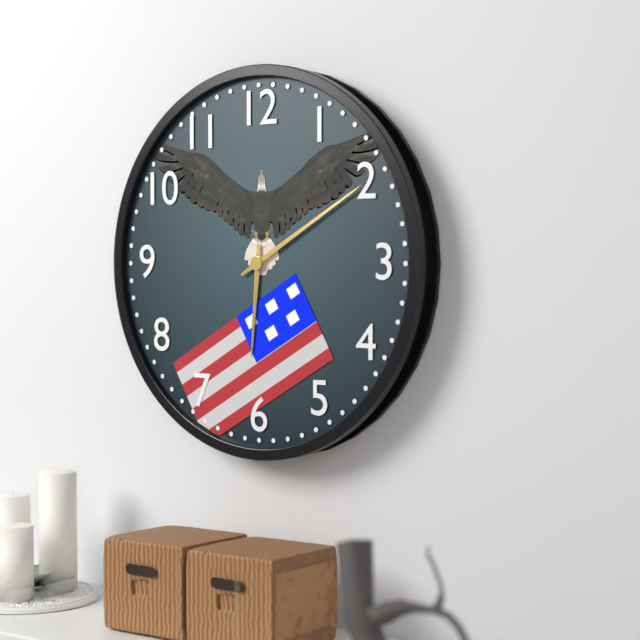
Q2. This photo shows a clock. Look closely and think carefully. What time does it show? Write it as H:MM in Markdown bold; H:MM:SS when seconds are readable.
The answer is **6:10**
